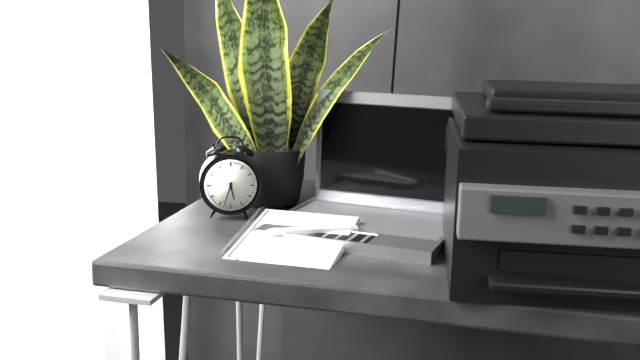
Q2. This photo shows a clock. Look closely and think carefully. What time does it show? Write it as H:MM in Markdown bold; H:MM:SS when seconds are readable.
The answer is **5:33**
